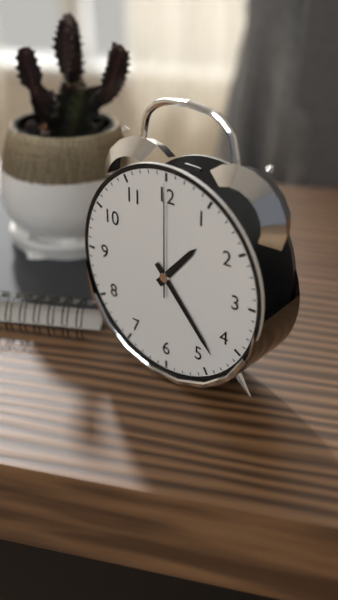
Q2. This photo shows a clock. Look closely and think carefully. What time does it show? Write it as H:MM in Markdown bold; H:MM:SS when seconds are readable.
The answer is **1:23:00**
